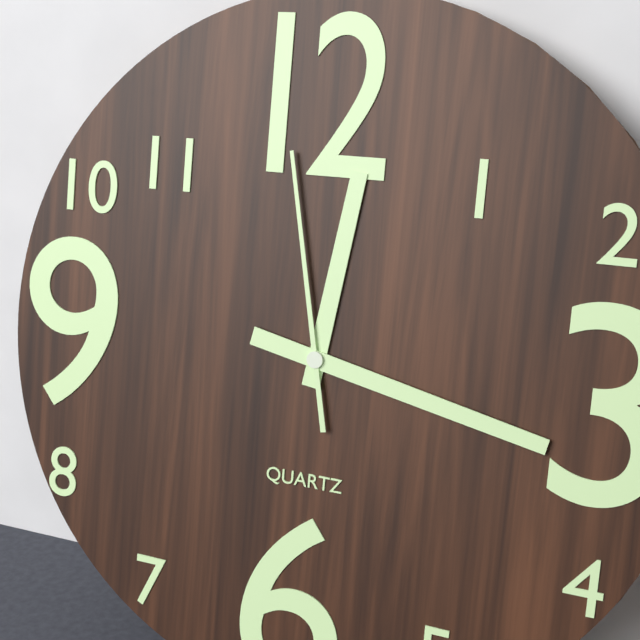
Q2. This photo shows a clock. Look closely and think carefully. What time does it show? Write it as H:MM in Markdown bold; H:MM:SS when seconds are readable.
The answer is **12:17:58**
